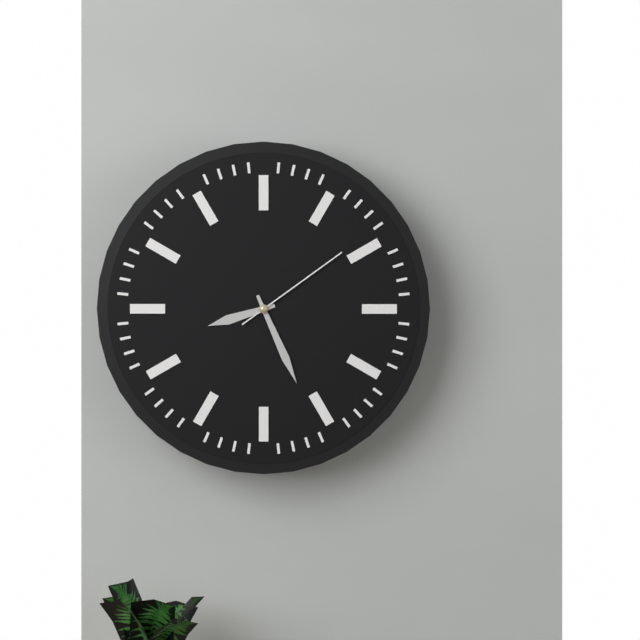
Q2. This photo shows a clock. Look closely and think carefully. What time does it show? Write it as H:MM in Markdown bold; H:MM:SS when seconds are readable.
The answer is **8:26:09**
